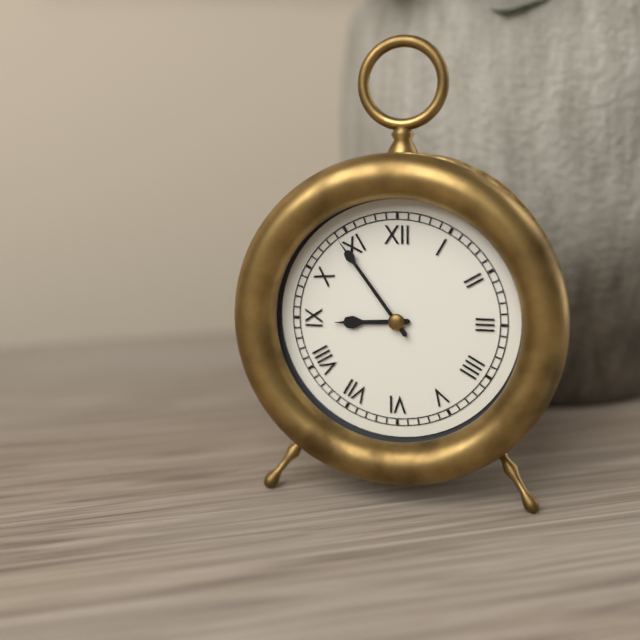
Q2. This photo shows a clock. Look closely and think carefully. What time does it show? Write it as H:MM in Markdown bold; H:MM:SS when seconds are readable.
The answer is **8:54**
